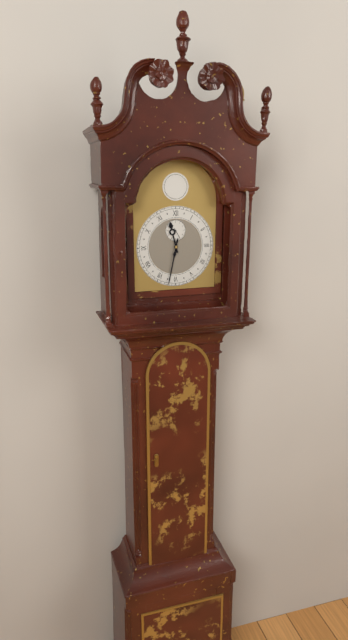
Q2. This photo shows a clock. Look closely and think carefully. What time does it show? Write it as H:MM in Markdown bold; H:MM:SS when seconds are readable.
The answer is **11:32**
